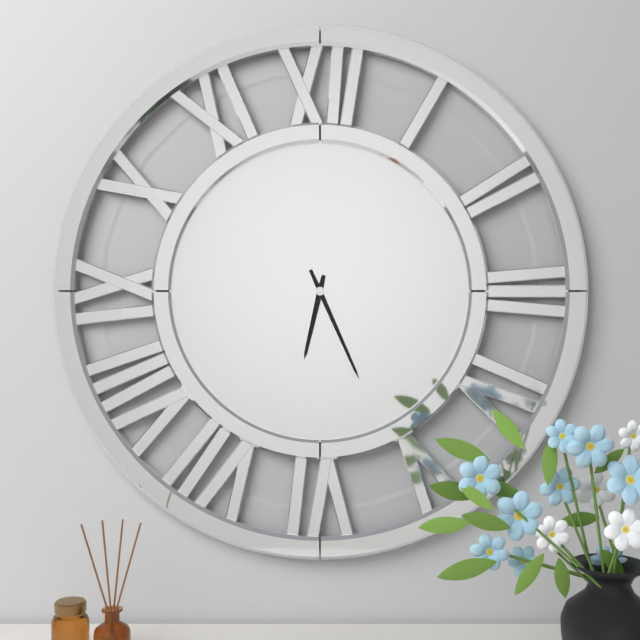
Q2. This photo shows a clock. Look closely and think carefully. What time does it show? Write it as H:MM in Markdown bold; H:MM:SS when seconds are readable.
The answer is **6:26**
